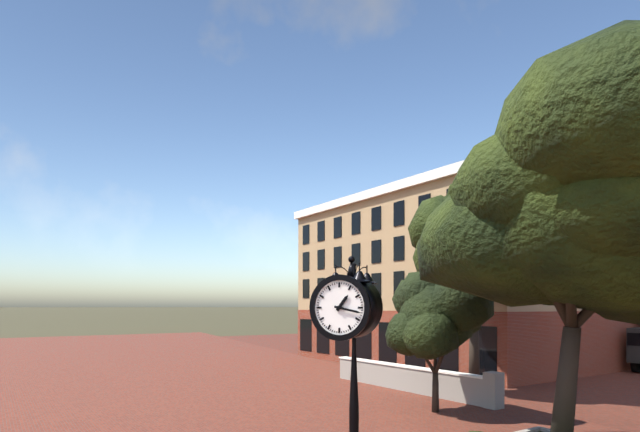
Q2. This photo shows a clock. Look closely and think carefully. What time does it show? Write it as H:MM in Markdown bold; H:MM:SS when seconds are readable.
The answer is **1:17**
